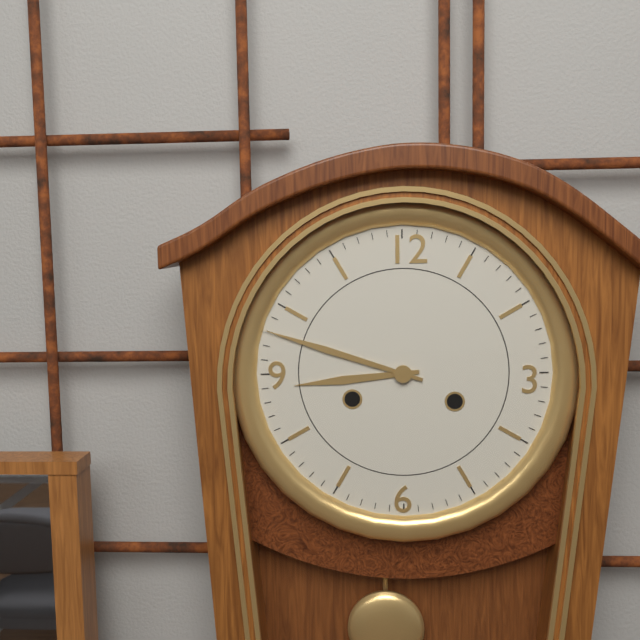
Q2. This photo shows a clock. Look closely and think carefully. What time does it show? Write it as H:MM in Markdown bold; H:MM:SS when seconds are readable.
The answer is **8:48**
